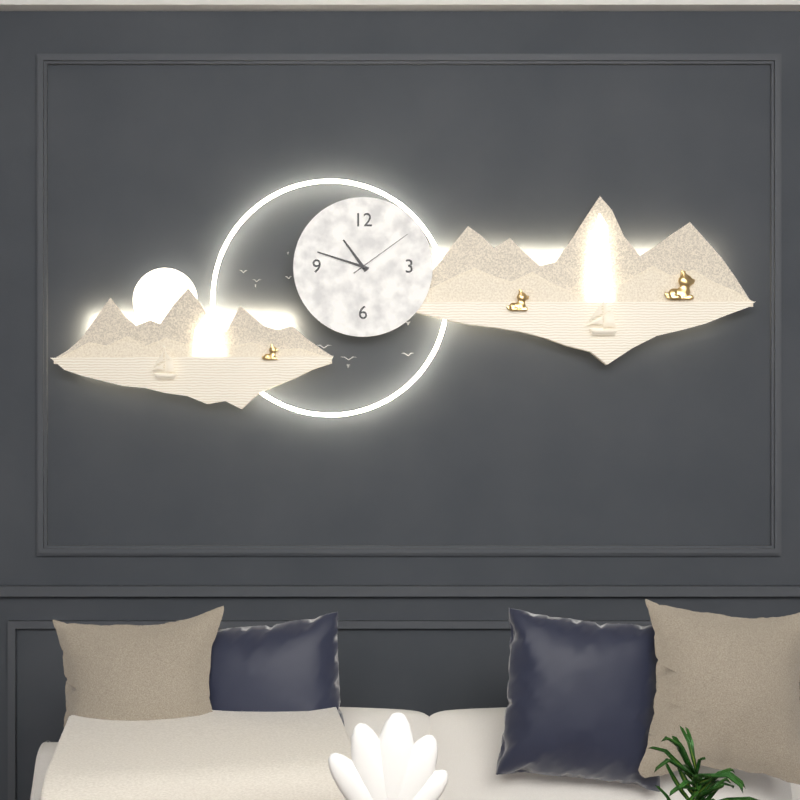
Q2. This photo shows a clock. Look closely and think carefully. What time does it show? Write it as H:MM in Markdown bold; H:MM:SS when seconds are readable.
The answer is **10:48:09**
